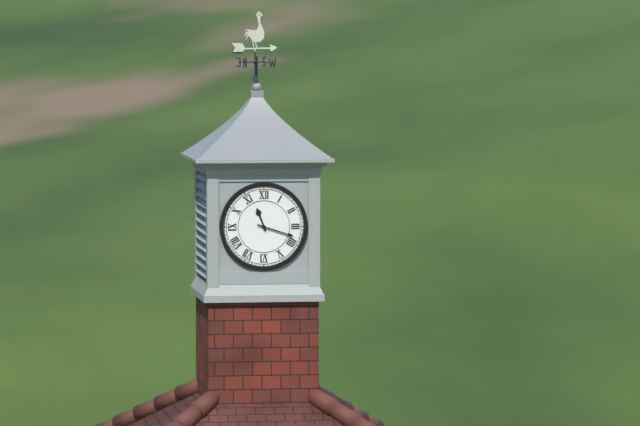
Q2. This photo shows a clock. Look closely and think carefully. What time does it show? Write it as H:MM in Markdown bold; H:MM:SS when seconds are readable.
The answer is **11:18**
